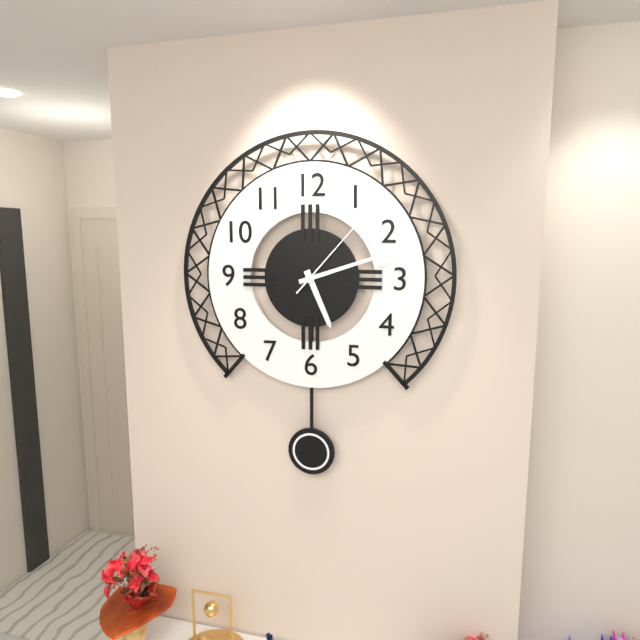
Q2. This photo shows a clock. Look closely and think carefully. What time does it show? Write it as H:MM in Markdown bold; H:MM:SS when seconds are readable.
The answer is **5:12:07**
